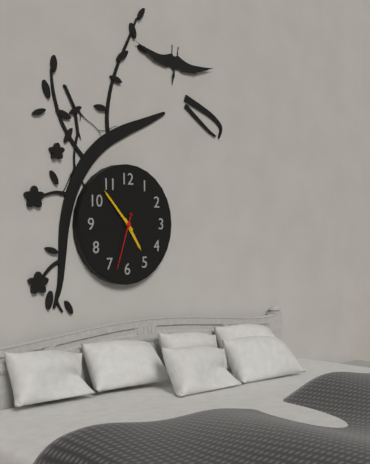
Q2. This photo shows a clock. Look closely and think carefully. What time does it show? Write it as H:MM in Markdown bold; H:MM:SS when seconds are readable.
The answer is **4:53:33**
